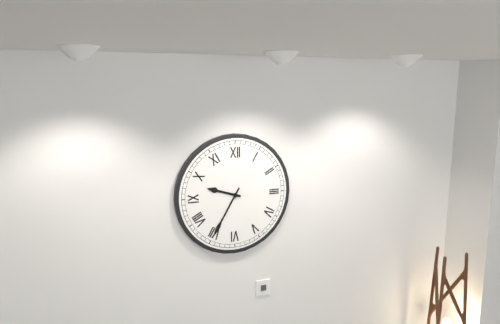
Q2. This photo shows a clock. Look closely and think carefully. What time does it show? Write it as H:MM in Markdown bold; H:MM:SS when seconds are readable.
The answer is **9:35**
